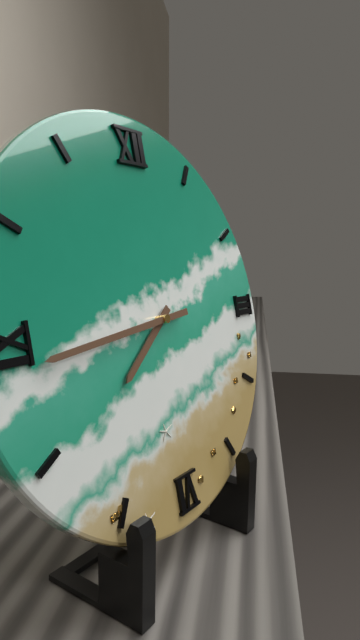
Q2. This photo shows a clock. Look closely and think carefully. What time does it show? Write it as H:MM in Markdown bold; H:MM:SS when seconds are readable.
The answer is **7:44**
